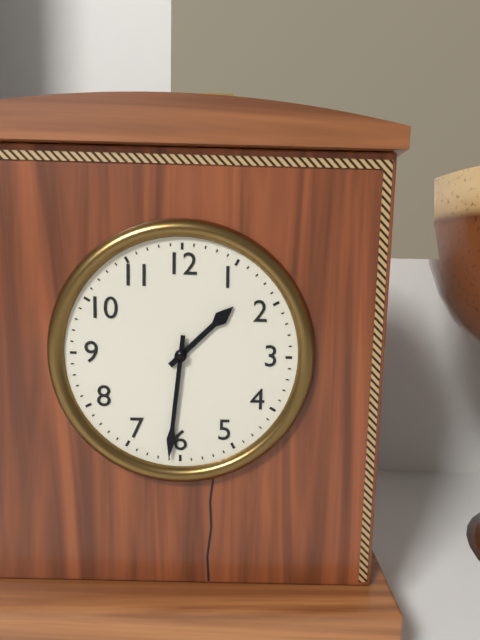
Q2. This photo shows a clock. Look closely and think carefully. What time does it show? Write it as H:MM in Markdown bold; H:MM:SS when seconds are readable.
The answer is **1:31**
